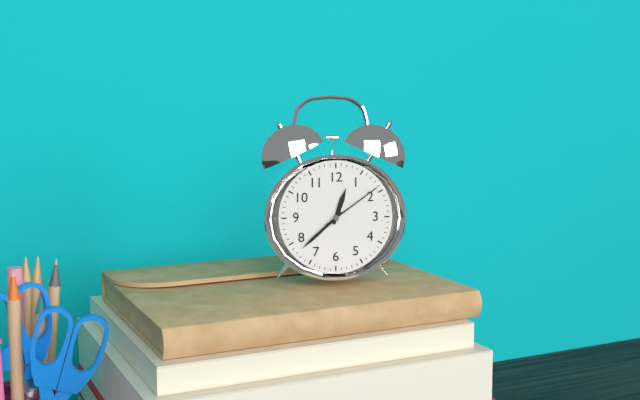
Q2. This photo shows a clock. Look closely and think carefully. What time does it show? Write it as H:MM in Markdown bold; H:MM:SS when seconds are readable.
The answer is **12:38:09**
